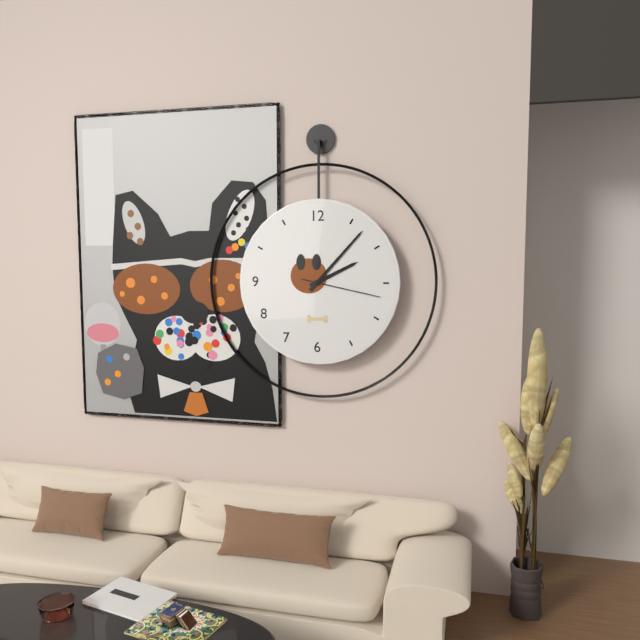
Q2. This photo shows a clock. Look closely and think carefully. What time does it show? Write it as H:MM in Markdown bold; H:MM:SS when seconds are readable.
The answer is **2:07:17**
